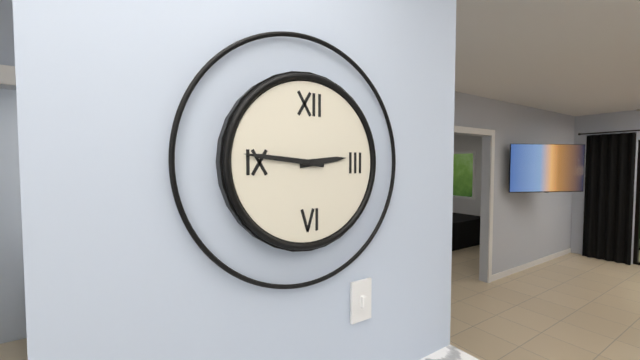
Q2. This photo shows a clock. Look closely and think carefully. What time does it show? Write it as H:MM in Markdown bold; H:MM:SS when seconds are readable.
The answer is **2:46**
